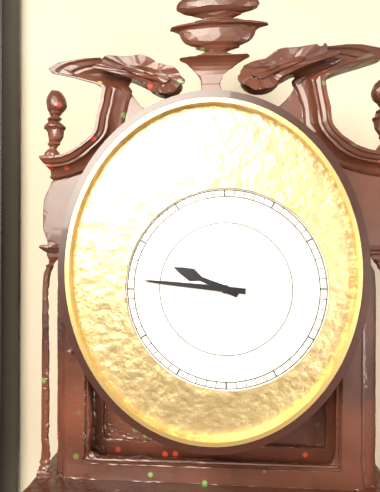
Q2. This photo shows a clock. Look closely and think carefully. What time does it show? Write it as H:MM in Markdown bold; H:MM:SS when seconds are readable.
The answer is **9:46**
